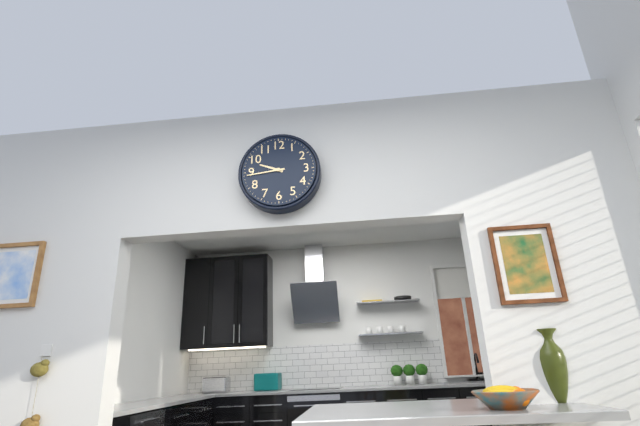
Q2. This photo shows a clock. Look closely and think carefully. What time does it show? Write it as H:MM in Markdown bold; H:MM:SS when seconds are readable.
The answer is **9:44**
